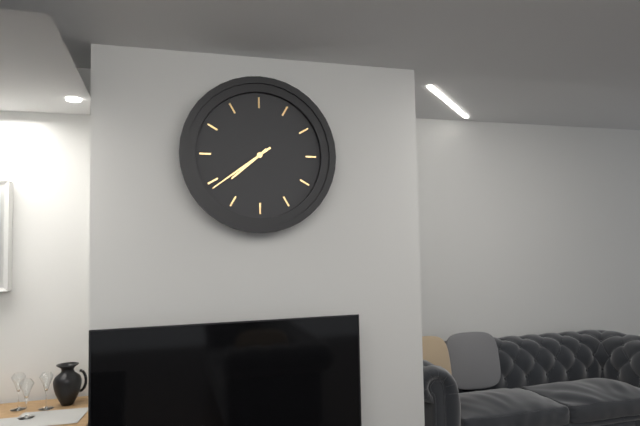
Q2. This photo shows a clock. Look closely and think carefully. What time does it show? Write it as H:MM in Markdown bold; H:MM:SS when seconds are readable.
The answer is **7:39**
